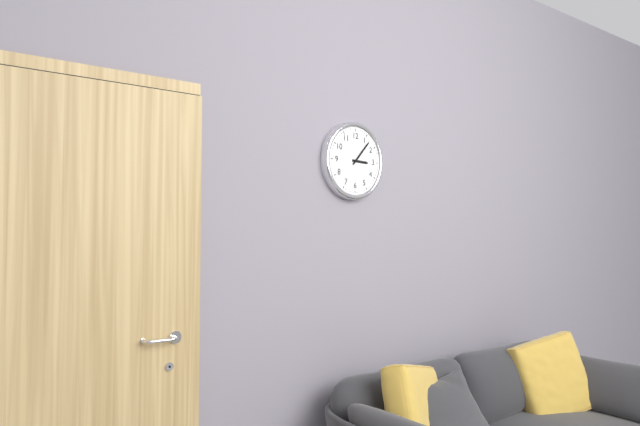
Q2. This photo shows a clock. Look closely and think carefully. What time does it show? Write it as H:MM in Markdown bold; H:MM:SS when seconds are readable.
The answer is **3:07**
